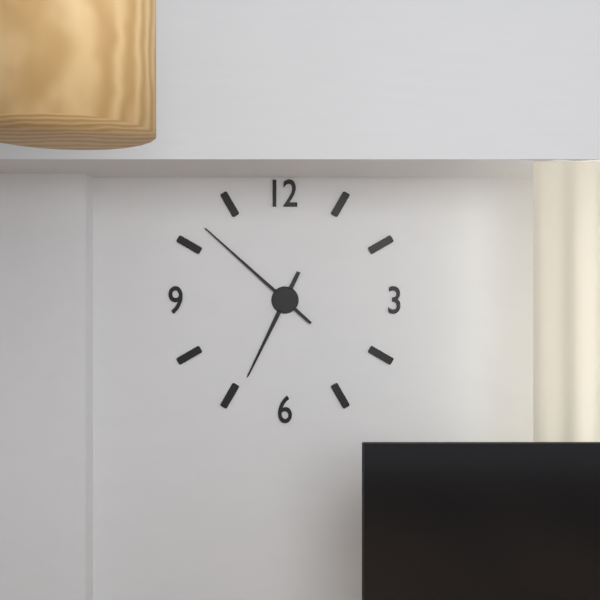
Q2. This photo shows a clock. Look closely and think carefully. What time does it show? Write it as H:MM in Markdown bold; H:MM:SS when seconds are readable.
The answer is **6:52**
